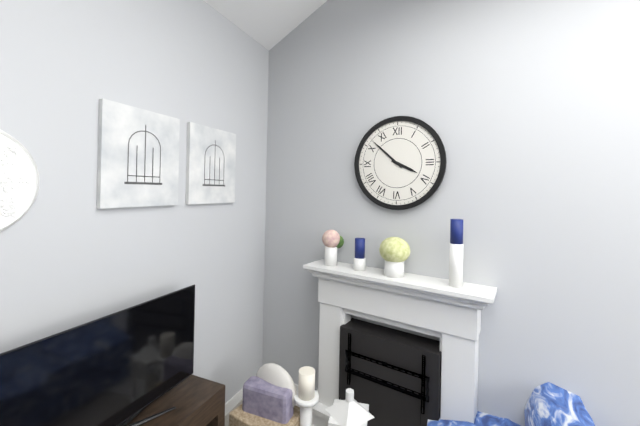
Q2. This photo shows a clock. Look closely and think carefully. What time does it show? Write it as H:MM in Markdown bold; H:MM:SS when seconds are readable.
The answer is **3:52**
